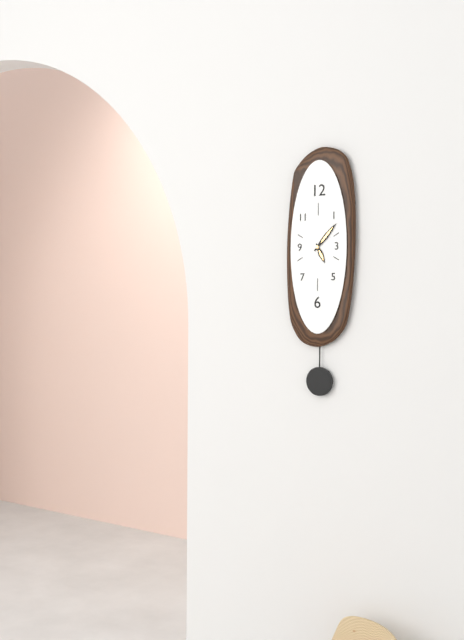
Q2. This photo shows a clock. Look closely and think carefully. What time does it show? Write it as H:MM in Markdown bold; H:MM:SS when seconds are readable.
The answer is **5:07**
